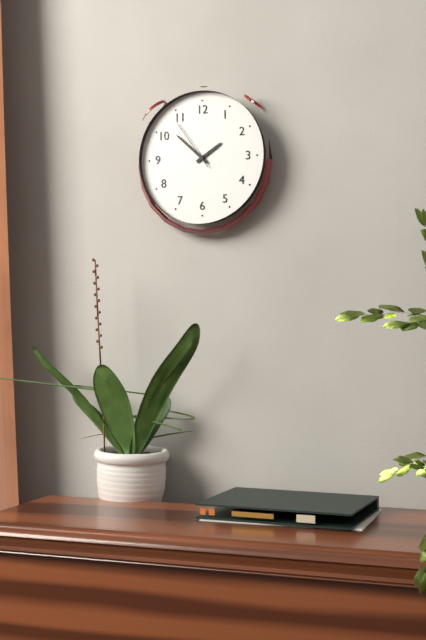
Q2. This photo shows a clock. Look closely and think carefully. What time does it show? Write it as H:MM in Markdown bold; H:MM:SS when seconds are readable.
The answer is **1:52:54**
